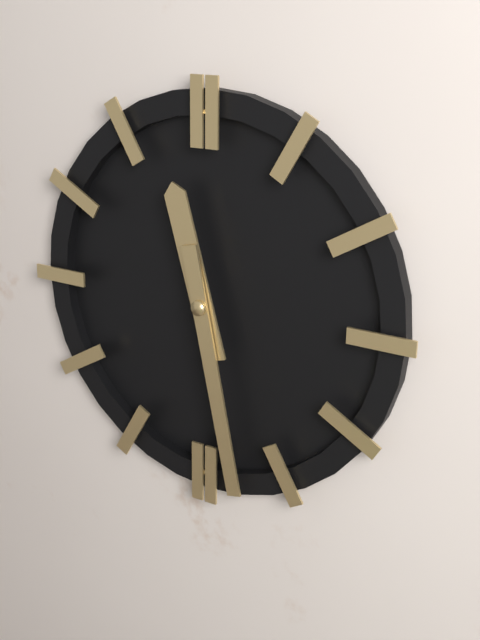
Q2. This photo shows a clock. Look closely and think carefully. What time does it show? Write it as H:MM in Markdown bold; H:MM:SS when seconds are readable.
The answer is **11:28**
